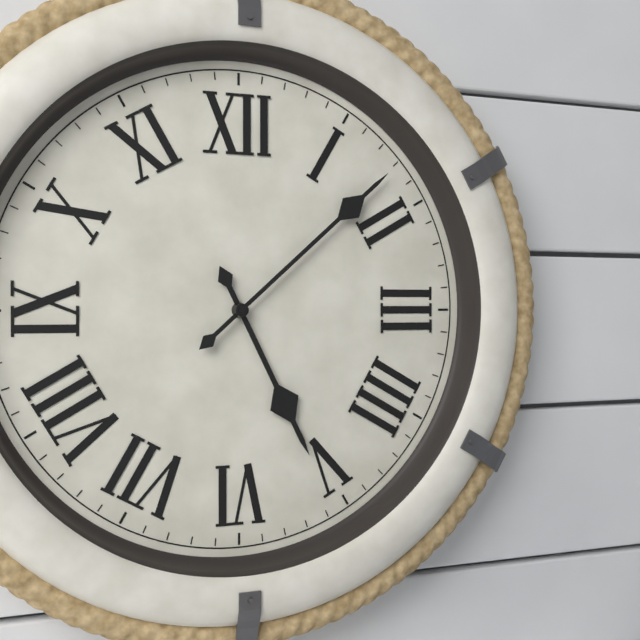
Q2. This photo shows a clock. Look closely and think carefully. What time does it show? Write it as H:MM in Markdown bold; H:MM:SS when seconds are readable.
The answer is **5:08**
